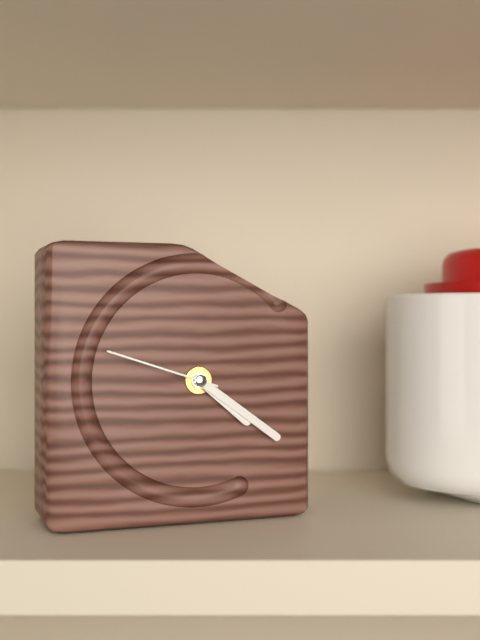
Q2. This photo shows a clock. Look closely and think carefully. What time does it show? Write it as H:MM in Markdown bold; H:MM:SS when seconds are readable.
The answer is **4:21:48**
